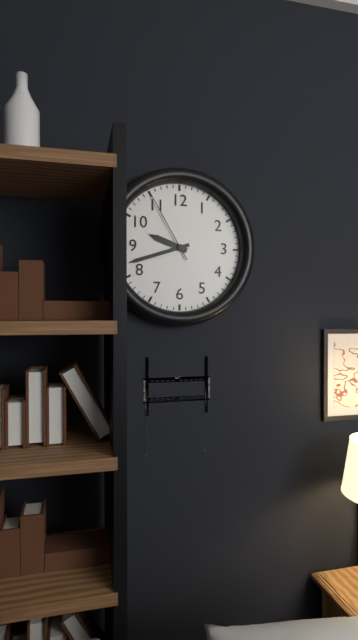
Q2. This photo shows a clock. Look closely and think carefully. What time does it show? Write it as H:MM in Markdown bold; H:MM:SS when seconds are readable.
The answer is **9:42:55**
